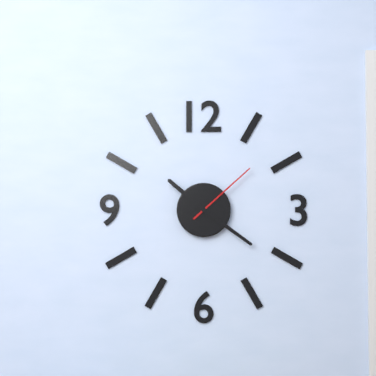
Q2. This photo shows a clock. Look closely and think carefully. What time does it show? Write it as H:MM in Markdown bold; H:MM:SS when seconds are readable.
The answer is **10:21:08**
